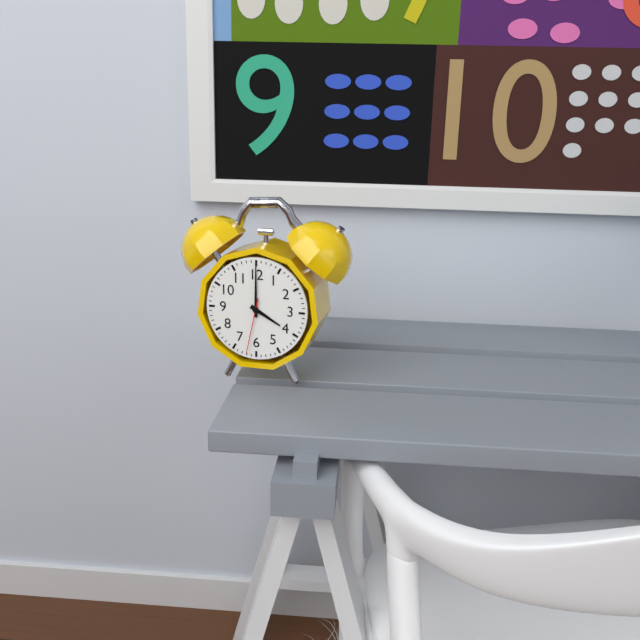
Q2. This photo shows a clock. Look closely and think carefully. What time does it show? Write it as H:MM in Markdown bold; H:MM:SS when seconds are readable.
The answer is **4:00:32**
